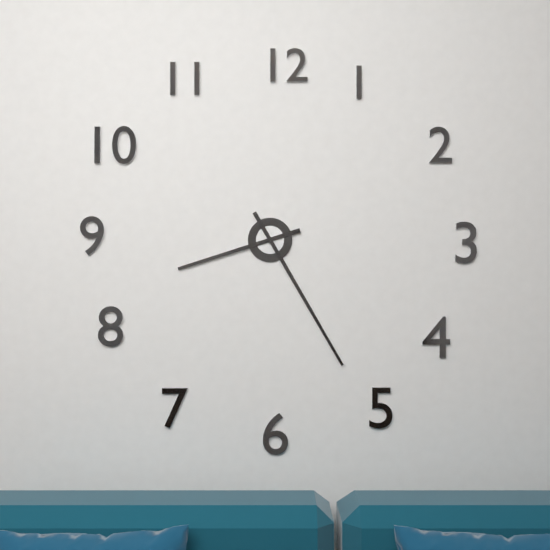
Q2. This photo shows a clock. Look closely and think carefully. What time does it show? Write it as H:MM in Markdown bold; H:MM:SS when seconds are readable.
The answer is **8:25**
